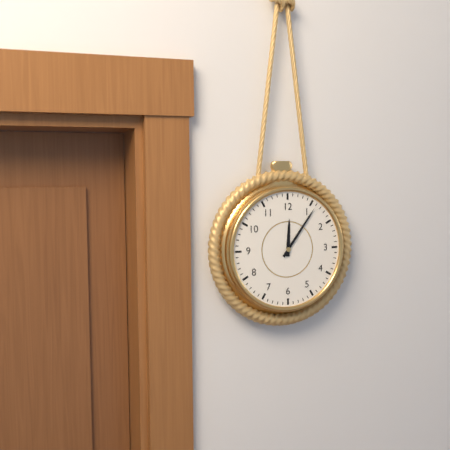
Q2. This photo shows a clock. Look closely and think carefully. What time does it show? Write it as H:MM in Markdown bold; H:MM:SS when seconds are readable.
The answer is **12:06**
